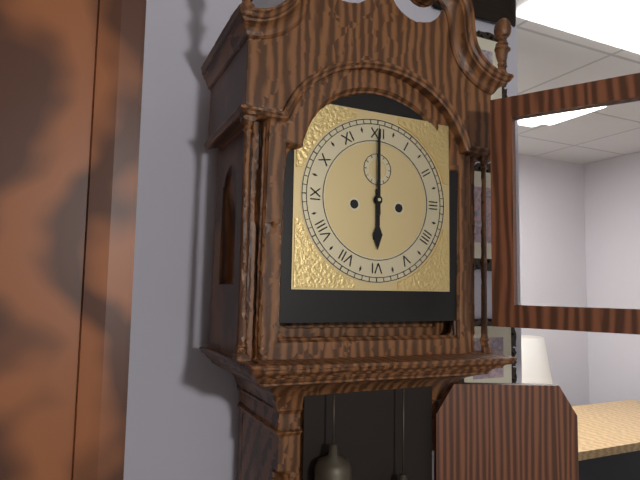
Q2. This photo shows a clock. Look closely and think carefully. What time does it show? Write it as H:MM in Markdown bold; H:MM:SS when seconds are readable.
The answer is **6:00**
